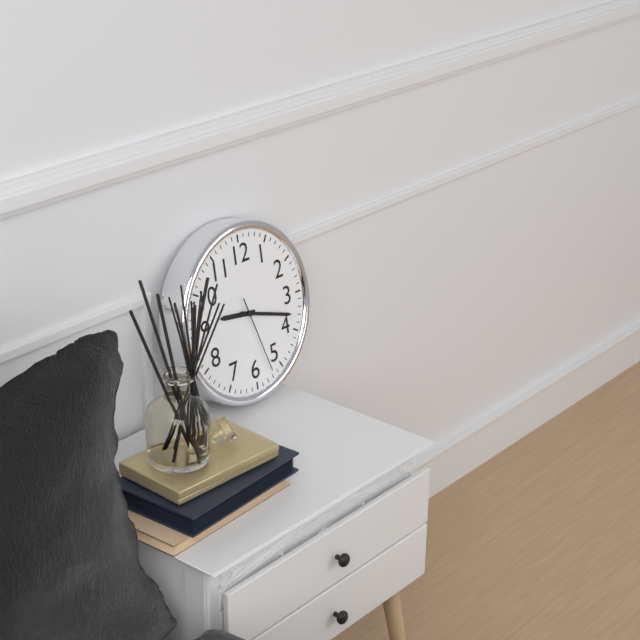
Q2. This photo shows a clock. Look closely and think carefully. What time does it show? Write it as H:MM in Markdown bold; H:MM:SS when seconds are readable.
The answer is **9:18:27**
